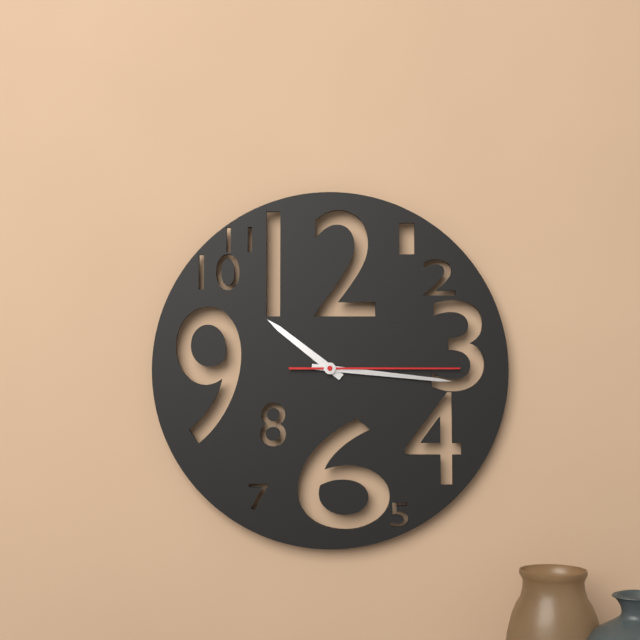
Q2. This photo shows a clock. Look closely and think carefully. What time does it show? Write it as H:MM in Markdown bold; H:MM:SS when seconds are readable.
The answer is **10:16:15**
